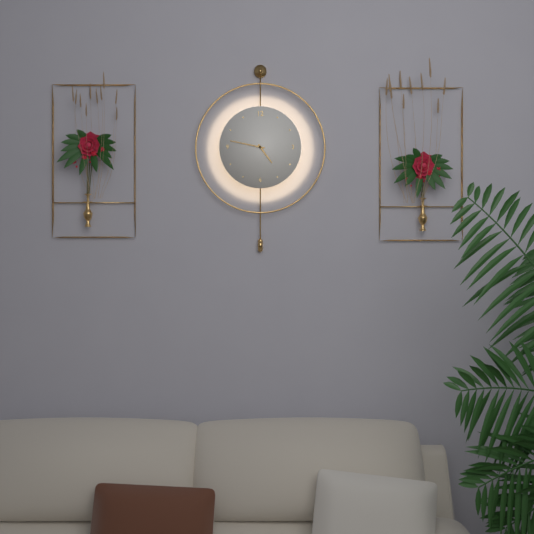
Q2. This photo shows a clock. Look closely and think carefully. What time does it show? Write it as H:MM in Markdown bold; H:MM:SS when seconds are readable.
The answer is **4:47**
